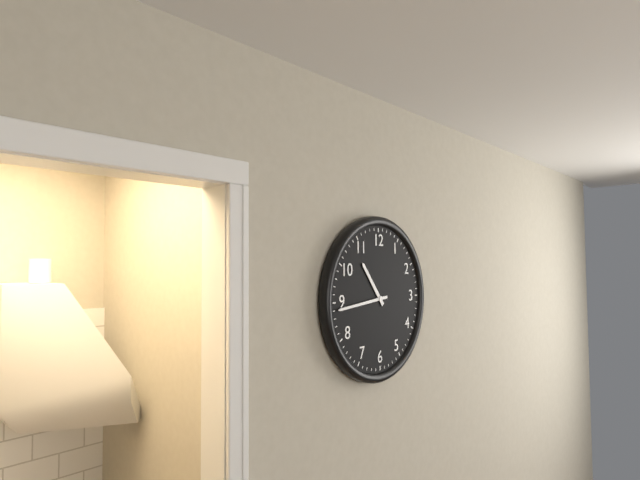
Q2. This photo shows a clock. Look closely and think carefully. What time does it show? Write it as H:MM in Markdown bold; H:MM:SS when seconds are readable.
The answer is **10:44**
